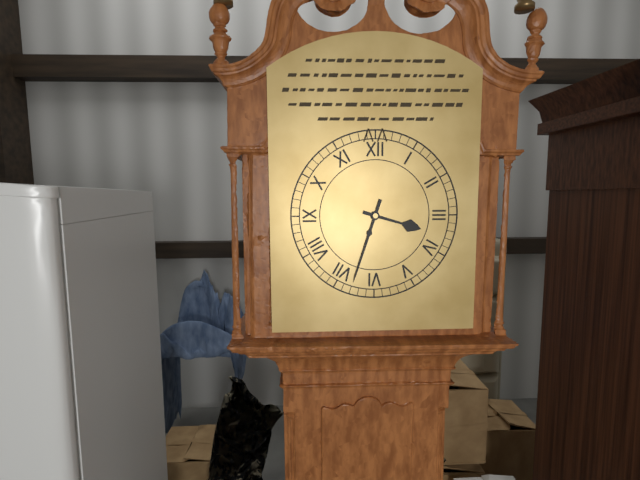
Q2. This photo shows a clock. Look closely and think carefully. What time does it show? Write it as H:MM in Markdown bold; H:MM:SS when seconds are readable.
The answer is **3:33**
